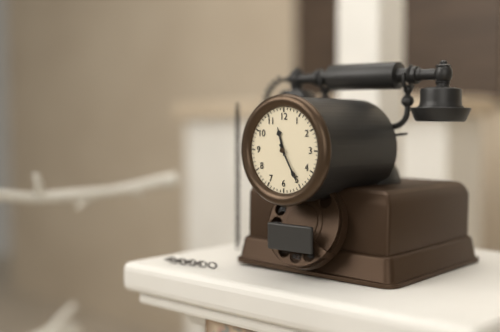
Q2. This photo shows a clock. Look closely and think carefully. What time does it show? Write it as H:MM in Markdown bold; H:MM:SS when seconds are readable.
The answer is **11:25**
